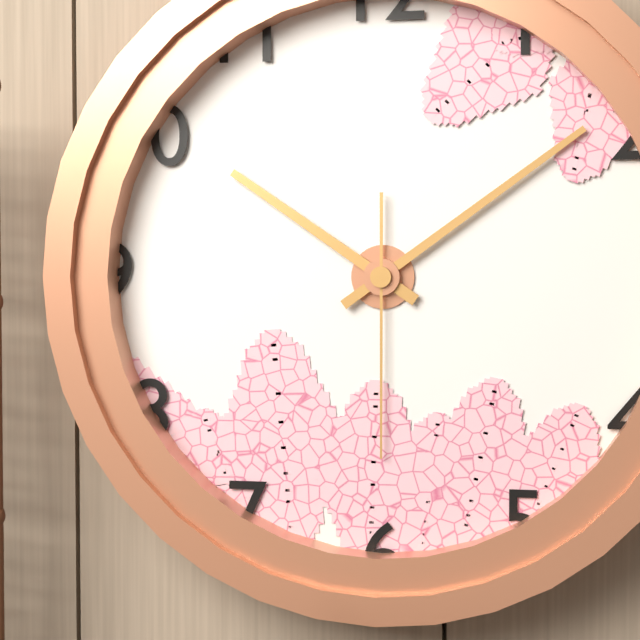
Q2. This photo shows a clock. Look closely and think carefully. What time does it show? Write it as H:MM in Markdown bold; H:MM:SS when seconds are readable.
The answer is **10:09:30**
